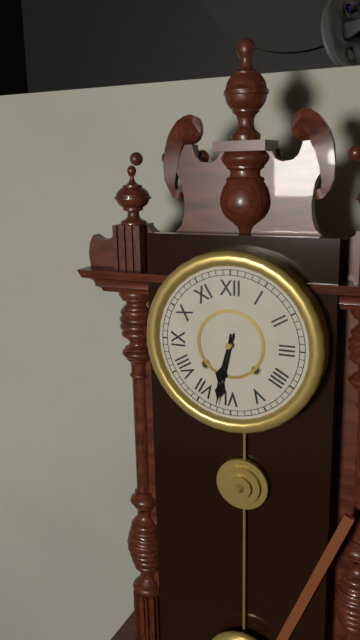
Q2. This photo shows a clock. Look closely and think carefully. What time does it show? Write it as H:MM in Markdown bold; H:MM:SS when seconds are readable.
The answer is **6:32**
